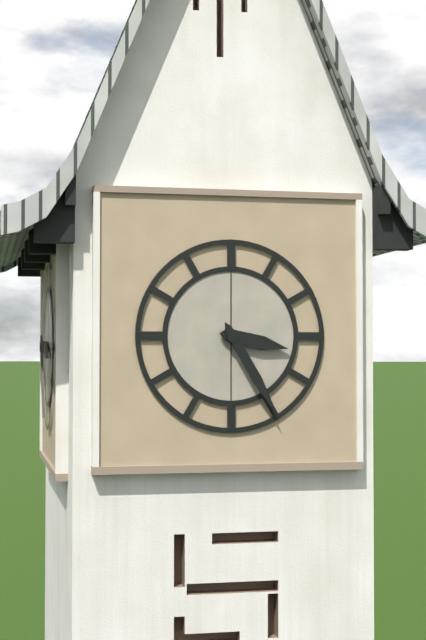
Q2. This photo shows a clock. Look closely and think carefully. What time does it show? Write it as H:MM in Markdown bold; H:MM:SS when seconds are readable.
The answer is **3:25**
